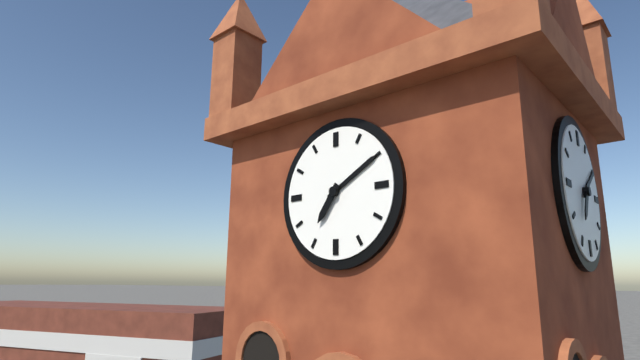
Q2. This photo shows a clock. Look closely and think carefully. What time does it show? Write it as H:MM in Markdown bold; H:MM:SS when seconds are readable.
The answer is **7:10**
